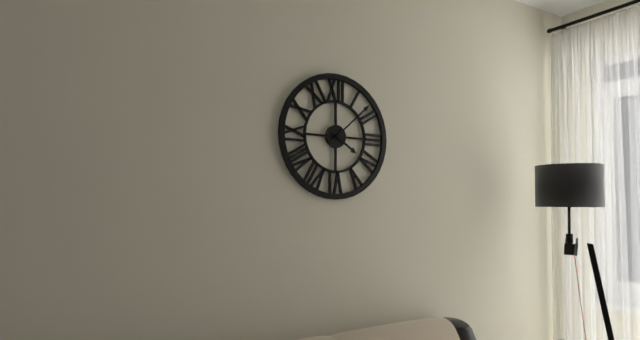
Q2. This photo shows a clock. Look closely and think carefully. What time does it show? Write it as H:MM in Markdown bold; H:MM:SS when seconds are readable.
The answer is **4:08**
